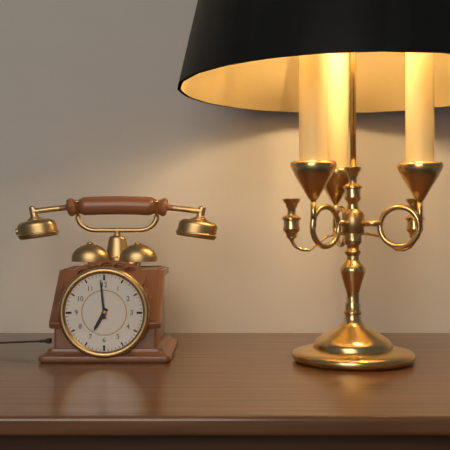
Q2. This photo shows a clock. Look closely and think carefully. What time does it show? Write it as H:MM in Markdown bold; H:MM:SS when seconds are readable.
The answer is **6:59**
